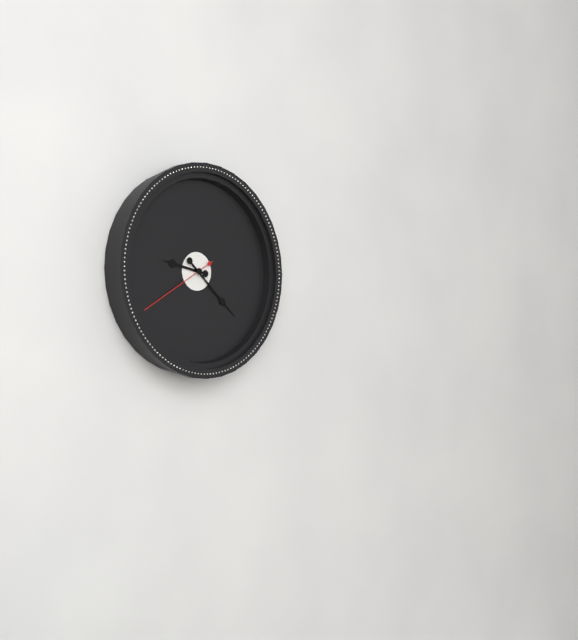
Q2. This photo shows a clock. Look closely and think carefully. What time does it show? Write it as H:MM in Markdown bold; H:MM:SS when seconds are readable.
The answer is **9:22:40**
